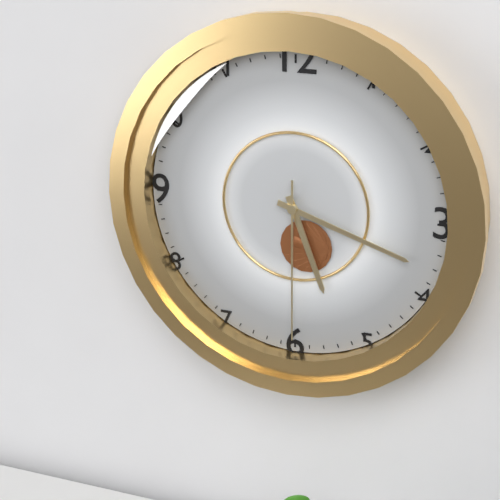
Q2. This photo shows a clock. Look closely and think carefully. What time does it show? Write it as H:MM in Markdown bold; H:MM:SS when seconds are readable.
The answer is **5:18:30**
